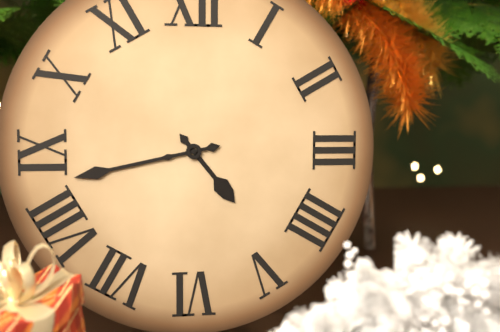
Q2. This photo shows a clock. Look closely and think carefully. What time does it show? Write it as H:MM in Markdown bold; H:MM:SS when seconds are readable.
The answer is **4:43**
